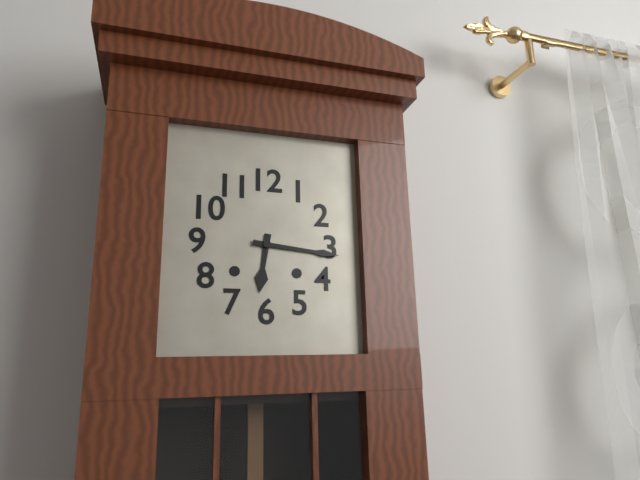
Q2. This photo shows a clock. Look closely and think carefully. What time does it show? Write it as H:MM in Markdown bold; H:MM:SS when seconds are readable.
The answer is **6:16**
